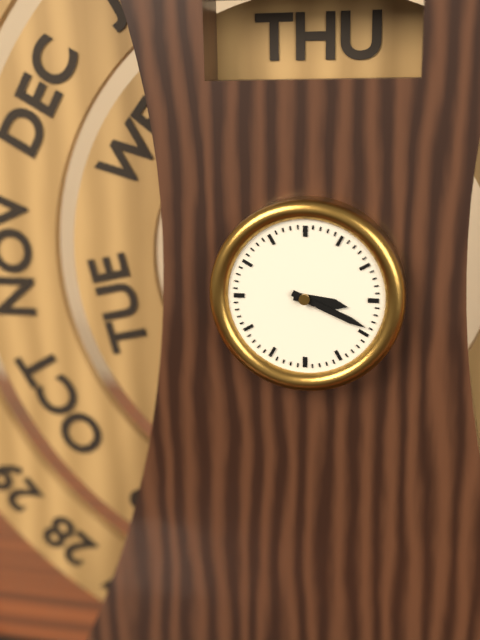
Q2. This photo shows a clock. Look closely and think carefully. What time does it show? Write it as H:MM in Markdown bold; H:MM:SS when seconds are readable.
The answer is **3:19**
